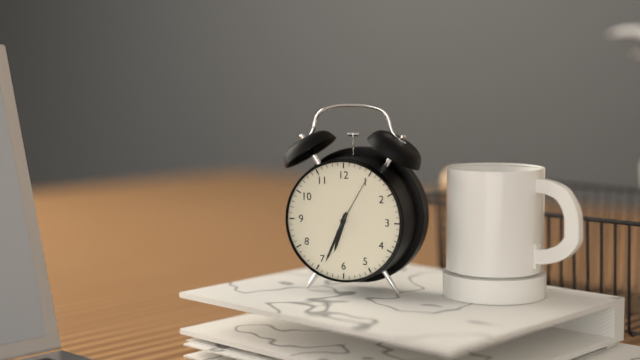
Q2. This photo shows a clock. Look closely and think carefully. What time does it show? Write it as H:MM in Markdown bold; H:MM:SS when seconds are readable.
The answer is **6:34:05**
